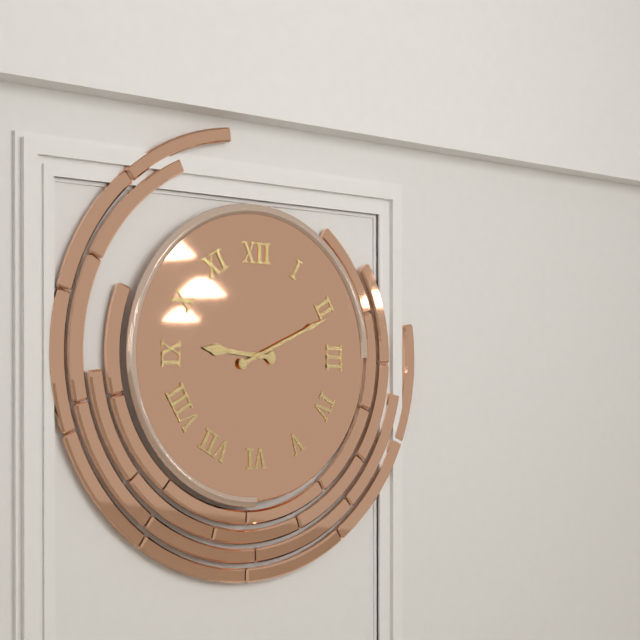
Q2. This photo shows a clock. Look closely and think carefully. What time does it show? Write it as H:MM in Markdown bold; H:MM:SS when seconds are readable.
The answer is **9:11**
